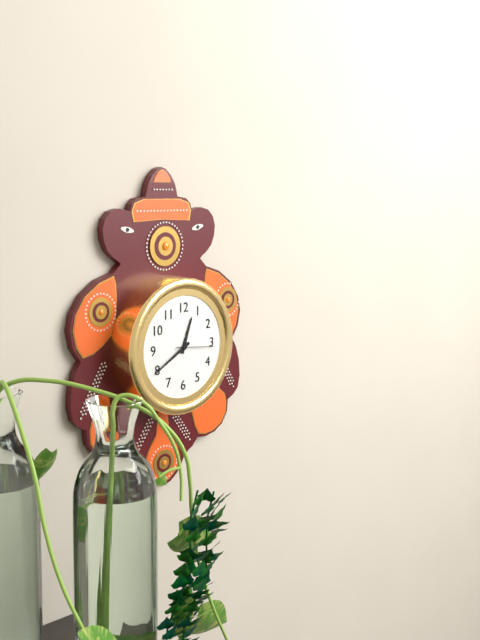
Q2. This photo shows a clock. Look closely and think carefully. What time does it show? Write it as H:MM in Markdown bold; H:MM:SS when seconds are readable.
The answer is **12:40**
